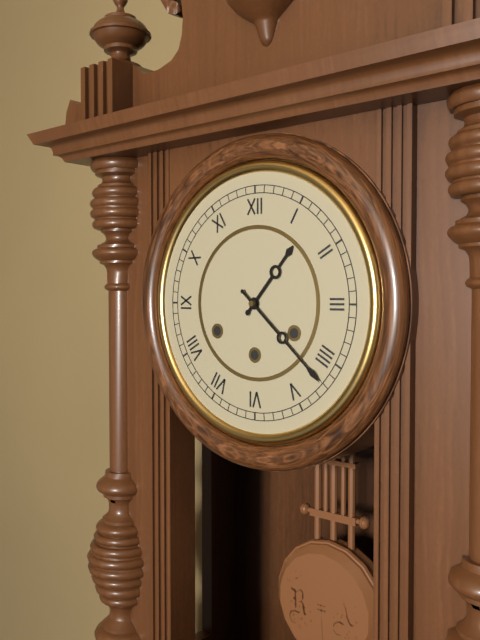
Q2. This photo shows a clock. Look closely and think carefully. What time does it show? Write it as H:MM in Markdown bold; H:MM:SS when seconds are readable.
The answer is **1:22**
